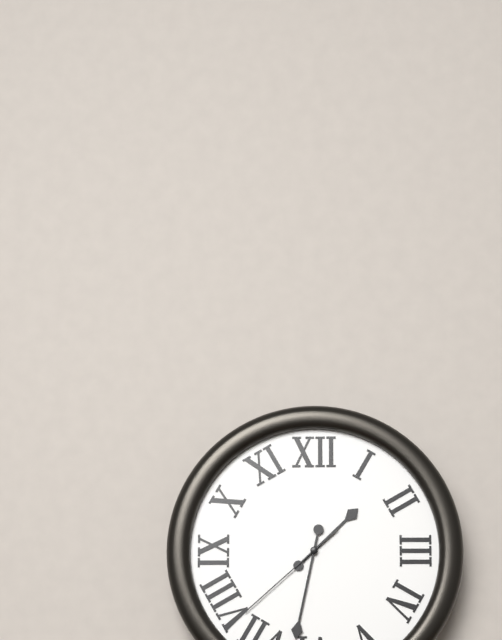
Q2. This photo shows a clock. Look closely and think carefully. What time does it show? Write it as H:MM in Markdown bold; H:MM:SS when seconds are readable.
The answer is **1:32:38**
